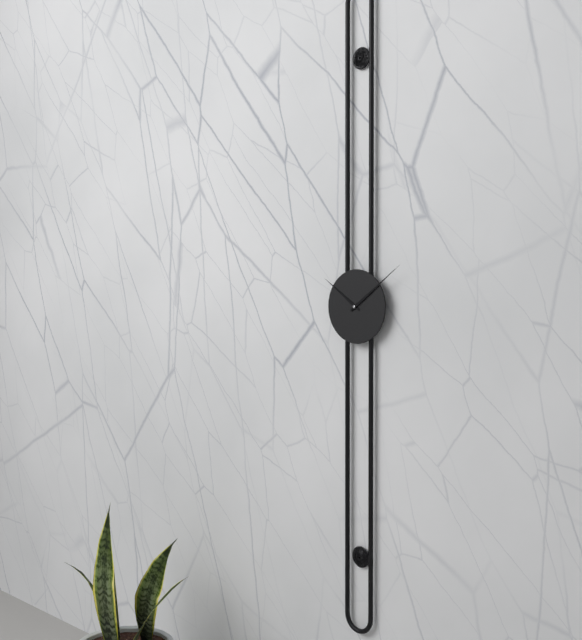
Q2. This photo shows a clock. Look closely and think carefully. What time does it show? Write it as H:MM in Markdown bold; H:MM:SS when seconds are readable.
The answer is **10:09**
